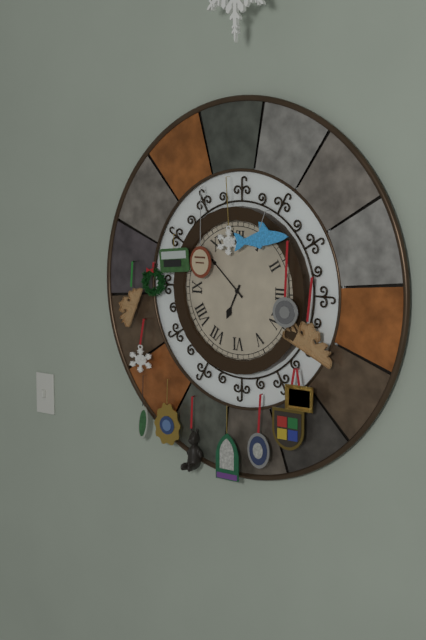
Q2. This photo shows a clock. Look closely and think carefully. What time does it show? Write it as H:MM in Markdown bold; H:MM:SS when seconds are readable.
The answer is **6:52**
